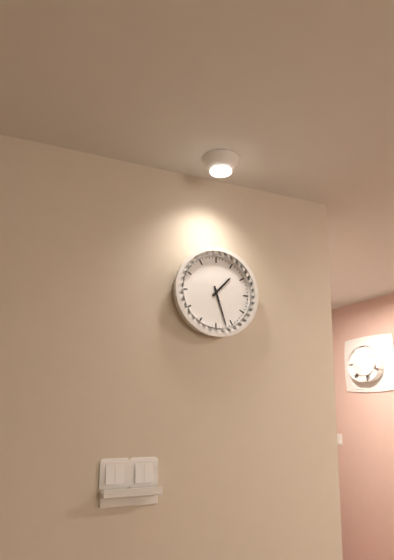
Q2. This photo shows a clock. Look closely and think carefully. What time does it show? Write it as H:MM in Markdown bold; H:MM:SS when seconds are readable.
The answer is **1:27**
